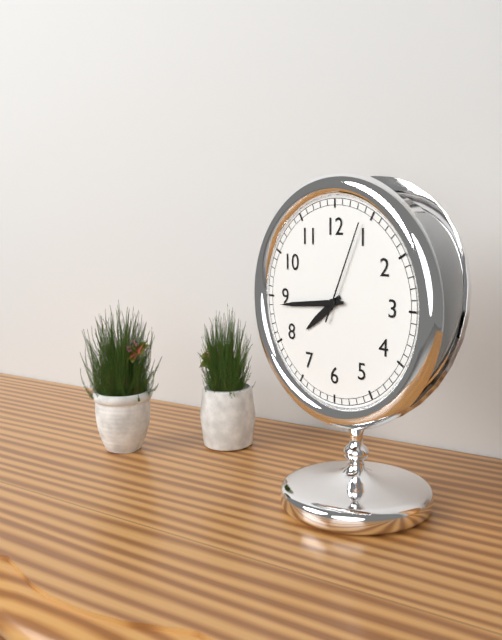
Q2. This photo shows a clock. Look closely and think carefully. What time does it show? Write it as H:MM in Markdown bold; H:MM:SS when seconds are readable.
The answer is **7:44:04**
